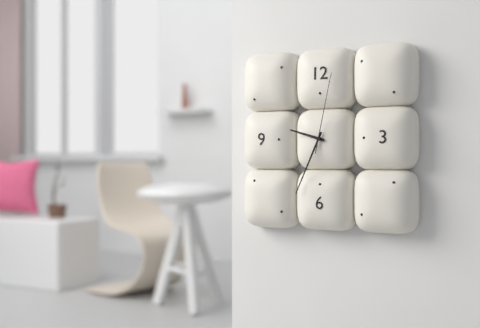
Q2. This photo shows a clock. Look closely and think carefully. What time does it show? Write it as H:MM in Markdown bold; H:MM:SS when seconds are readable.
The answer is **9:34:02**
